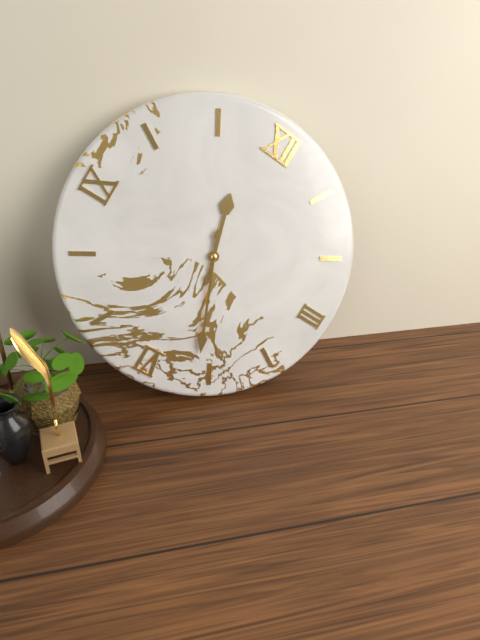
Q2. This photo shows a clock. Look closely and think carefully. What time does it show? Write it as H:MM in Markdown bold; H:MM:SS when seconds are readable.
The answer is **11:26**
